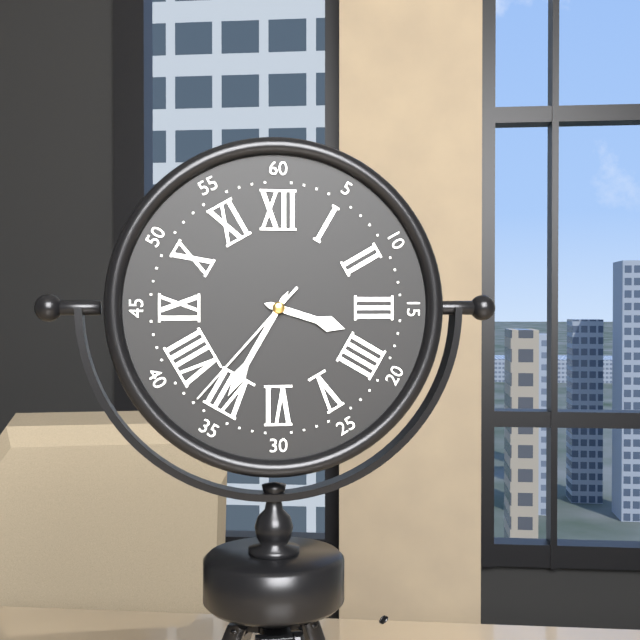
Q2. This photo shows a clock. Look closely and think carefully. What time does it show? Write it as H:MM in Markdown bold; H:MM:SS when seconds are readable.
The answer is **3:35:37**
